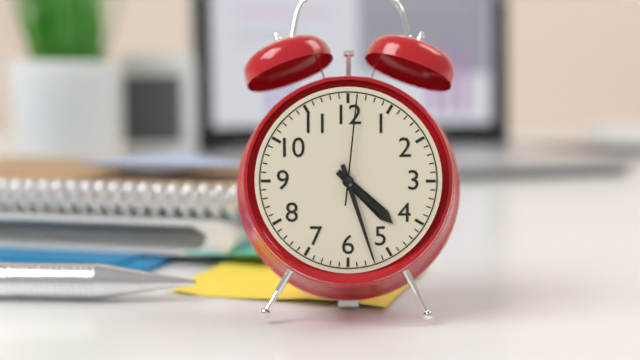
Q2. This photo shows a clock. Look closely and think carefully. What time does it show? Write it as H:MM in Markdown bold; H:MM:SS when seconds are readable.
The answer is **4:27:01**
